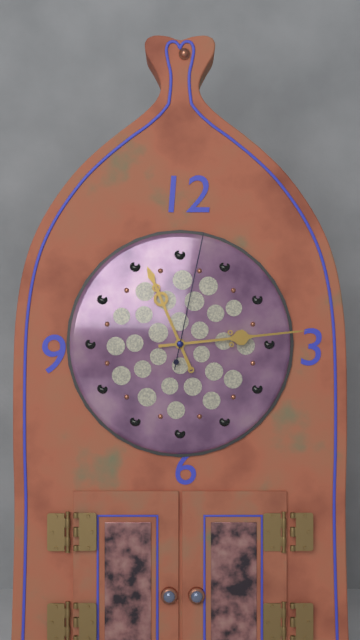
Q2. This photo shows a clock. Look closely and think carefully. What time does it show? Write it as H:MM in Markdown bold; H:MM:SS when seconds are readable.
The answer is **11:14:02**
